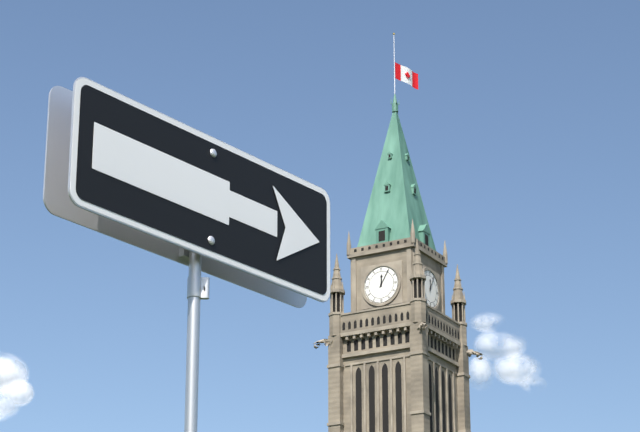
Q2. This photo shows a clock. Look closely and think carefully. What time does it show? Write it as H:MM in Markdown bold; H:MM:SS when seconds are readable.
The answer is **12:05**
